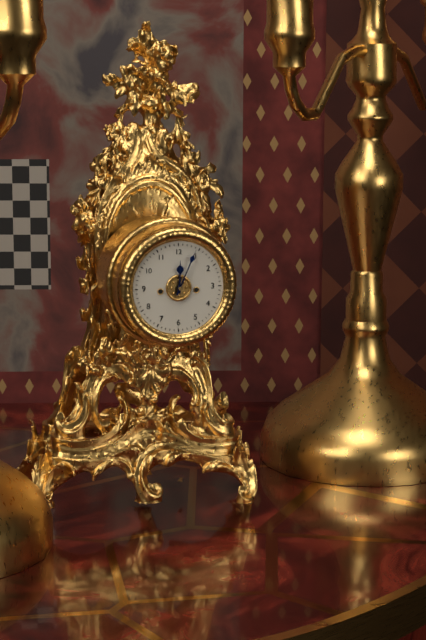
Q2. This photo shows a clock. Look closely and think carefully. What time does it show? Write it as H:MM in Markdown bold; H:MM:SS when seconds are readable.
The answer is **12:04**
